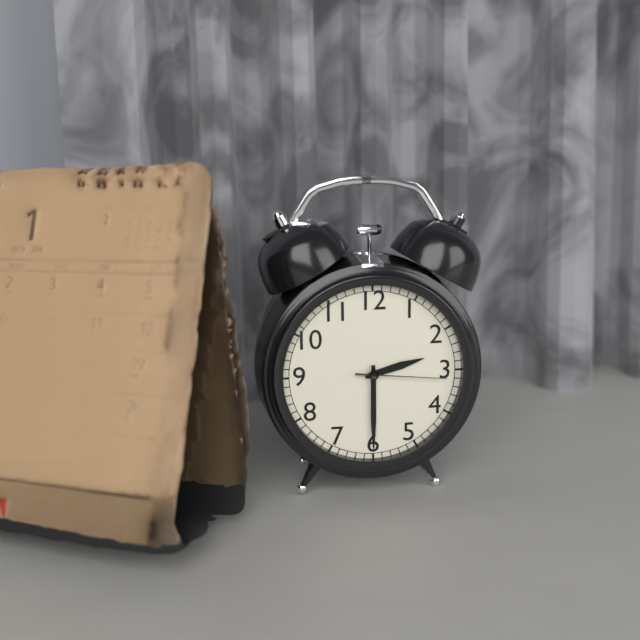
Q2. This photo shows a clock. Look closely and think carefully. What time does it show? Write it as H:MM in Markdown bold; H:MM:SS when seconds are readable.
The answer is **2:30:16**
